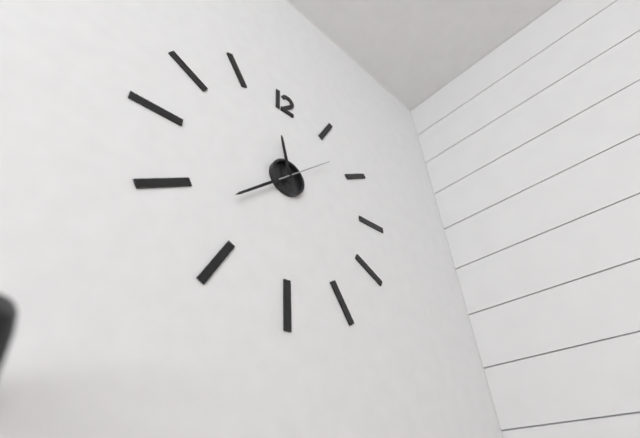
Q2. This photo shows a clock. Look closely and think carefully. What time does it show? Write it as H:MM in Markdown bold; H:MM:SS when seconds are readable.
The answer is **11:38:08**
